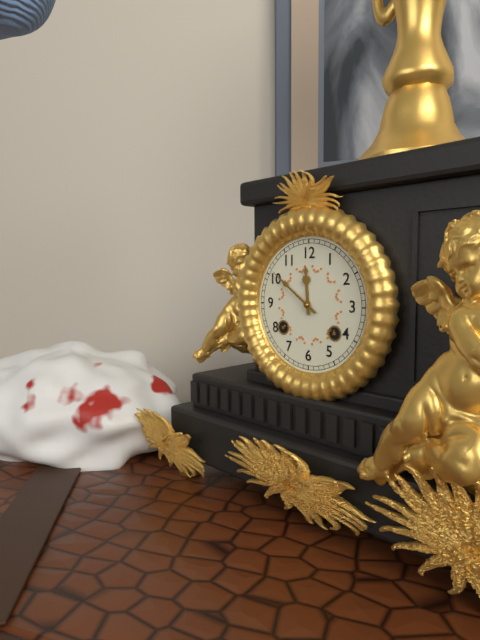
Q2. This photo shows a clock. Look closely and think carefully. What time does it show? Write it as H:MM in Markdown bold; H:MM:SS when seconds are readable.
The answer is **11:51**
